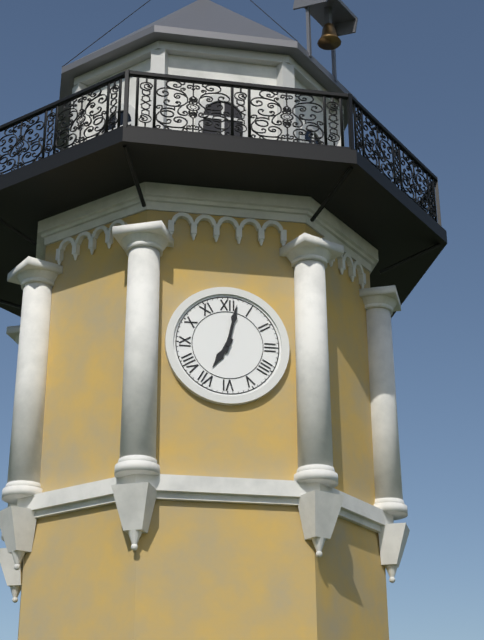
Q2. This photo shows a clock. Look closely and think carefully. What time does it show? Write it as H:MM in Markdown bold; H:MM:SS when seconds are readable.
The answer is **7:02**
